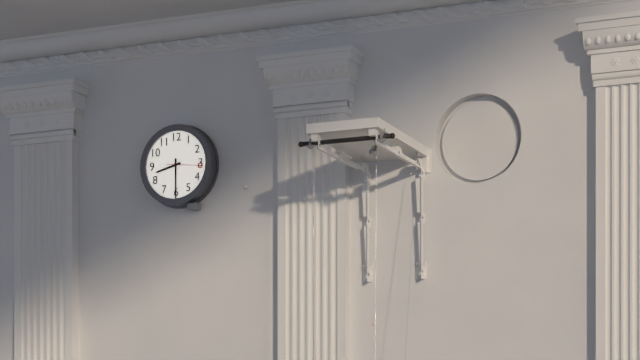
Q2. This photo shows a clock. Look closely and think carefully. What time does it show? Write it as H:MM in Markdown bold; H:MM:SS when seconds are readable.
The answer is **8:30**
